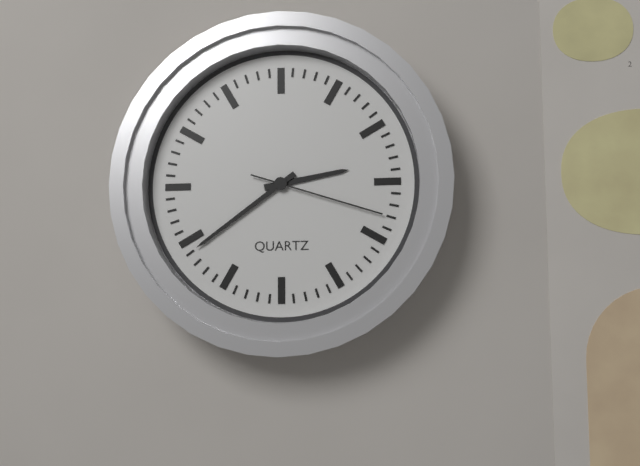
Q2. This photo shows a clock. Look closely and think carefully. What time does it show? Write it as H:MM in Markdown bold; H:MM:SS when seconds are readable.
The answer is **2:39:18**
